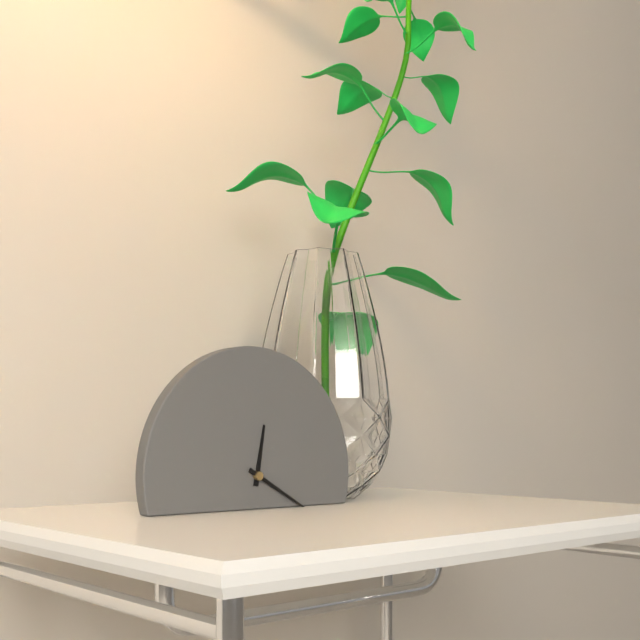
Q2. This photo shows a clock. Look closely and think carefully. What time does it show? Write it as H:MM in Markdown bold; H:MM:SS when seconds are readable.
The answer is **12:20**
